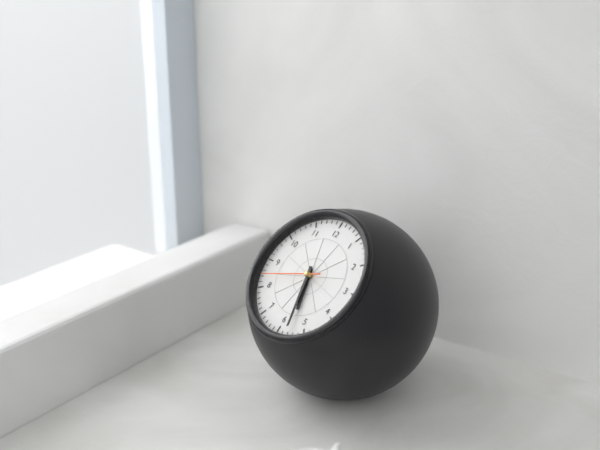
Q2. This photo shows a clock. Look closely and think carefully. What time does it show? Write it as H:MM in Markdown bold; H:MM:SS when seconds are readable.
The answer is **5:28:42**
